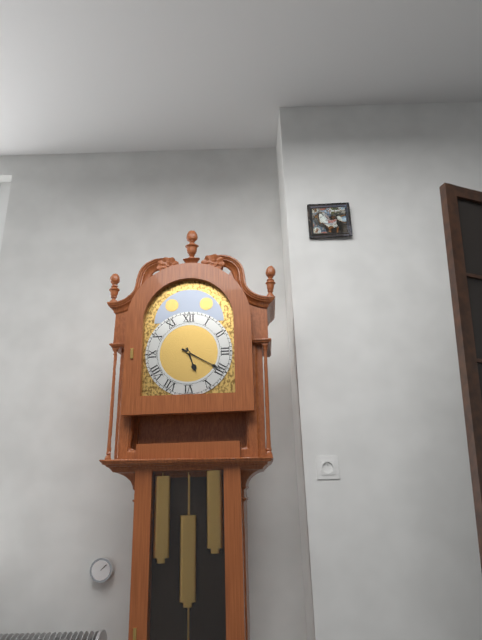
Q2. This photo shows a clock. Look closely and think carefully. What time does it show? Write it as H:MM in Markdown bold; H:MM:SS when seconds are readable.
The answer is **5:20**
